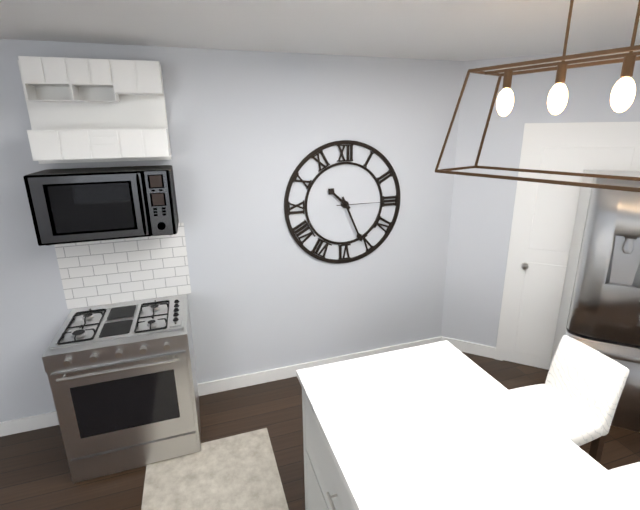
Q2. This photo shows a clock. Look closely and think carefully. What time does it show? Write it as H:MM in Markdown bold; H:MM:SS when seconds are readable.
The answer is **10:26**
